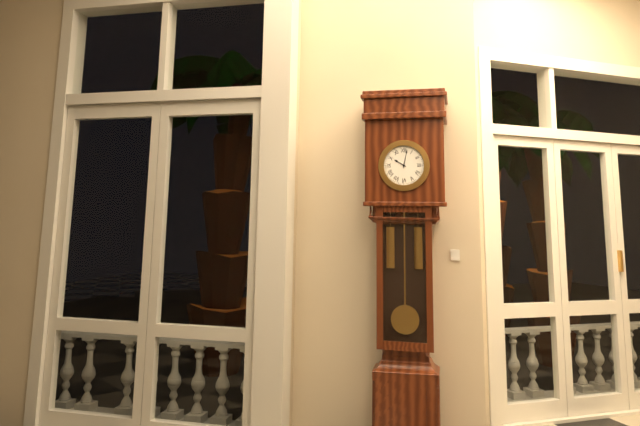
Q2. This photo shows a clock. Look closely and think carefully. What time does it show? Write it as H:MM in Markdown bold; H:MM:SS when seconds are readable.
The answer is **10:02**
